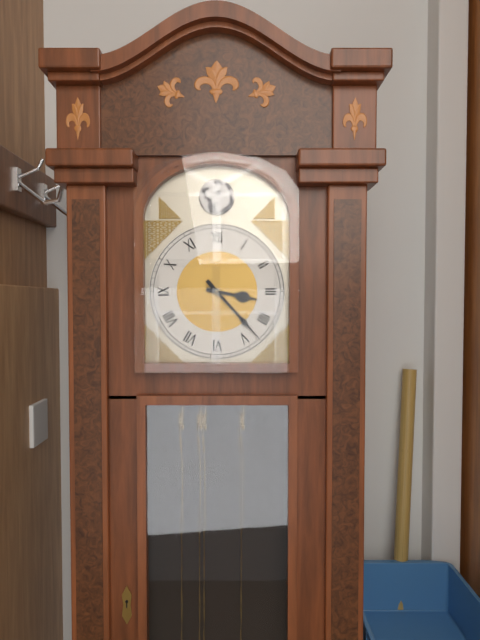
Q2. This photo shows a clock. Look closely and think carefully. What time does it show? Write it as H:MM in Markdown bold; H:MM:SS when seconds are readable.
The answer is **3:23**
